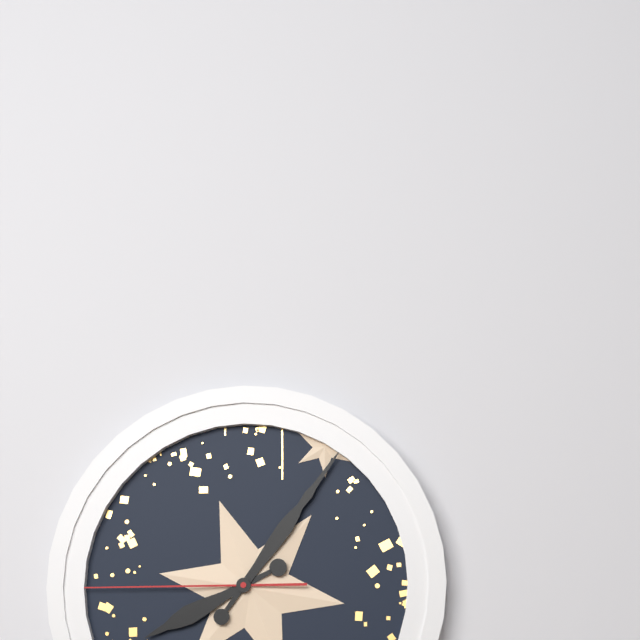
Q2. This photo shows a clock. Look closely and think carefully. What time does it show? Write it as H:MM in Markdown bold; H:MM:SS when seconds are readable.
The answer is **8:06:45**
